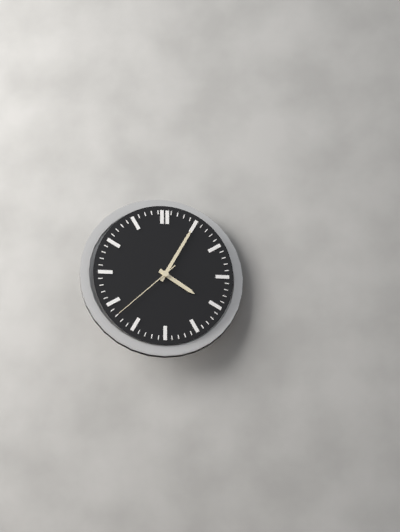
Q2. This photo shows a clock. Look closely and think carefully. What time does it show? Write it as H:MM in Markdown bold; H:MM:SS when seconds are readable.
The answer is **4:05:38**
